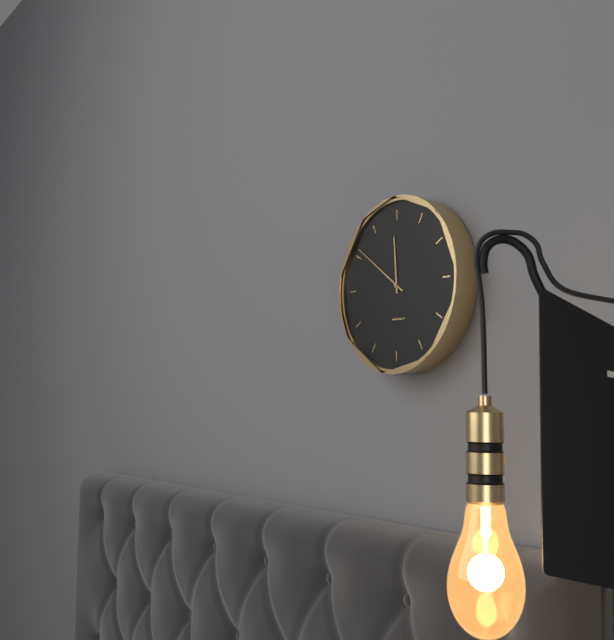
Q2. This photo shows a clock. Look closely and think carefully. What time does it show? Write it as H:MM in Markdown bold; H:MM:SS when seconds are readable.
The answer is **11:51**
